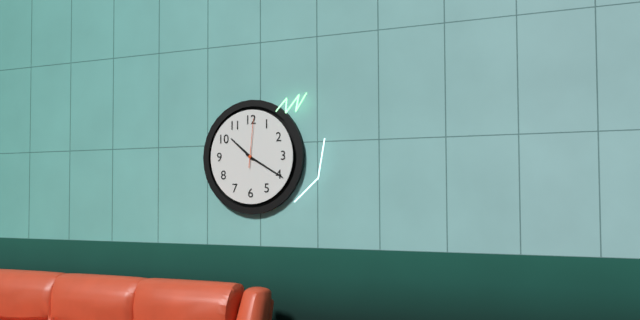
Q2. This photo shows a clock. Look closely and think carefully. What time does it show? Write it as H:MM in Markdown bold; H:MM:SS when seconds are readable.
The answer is **10:20**
